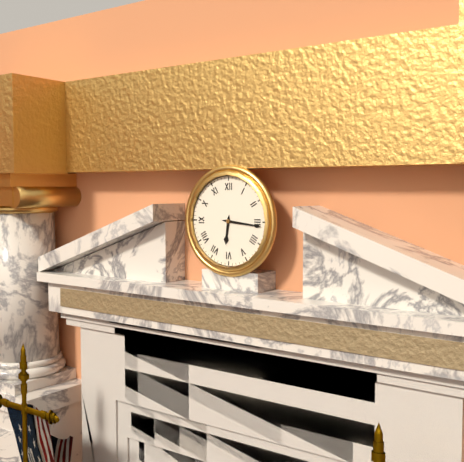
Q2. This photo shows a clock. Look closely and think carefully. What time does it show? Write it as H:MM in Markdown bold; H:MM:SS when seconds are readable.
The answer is **6:16**
